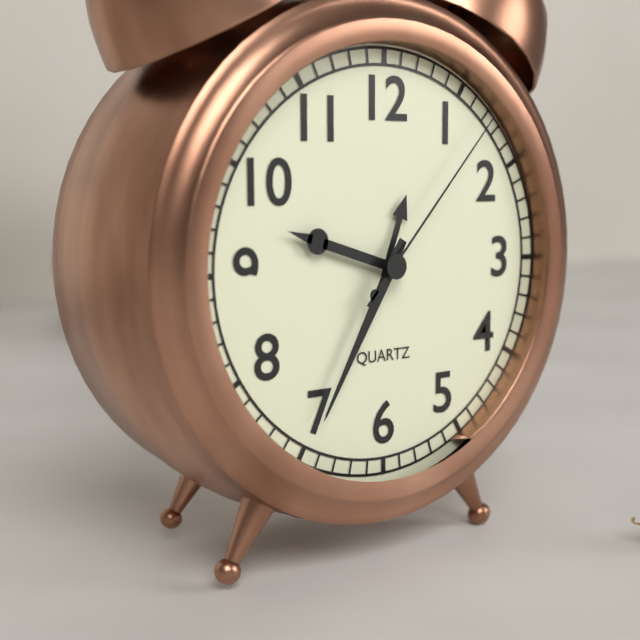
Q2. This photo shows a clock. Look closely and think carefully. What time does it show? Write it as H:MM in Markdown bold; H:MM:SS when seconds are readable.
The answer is **9:35:07**
